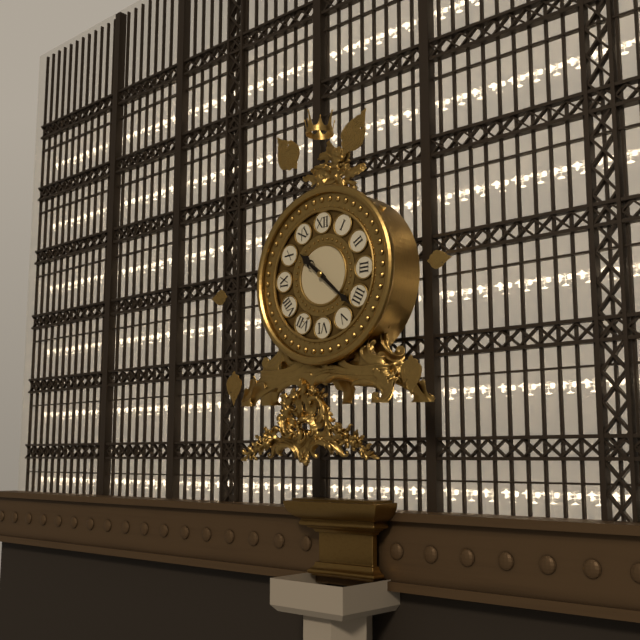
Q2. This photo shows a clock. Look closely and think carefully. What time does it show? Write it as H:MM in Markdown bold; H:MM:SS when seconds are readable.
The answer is **10:22**
